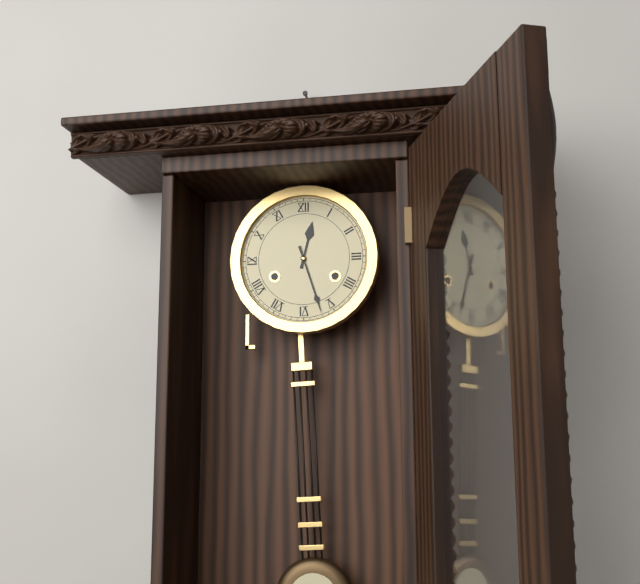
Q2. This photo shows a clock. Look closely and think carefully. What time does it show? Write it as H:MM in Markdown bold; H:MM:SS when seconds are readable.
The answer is **12:27**
